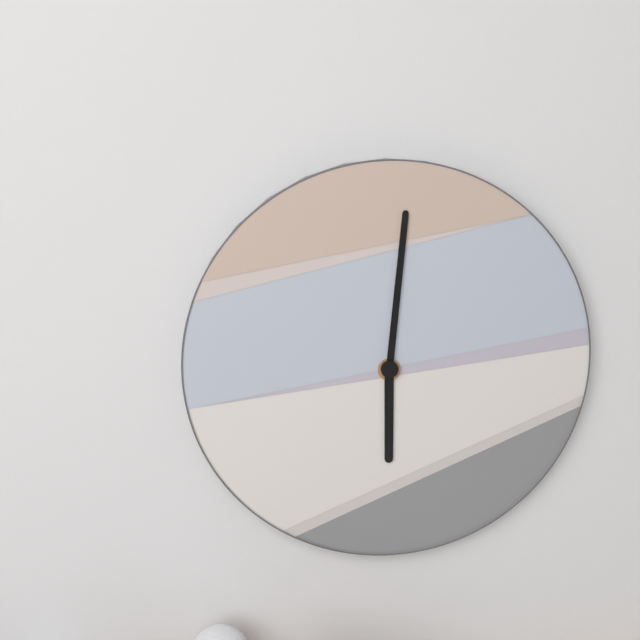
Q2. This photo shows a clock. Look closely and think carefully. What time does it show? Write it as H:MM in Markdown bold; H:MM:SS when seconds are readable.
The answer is **6:01**
